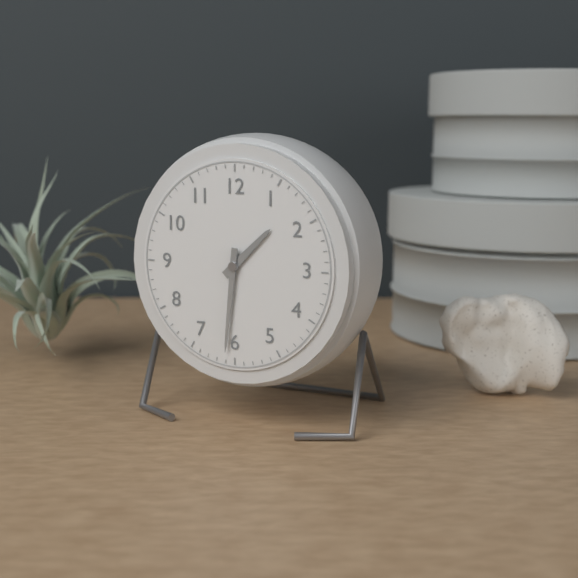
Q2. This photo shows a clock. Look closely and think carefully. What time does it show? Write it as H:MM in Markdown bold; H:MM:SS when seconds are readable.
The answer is **1:31**
